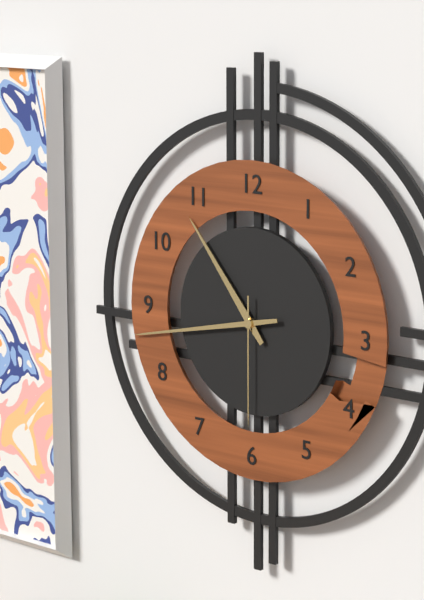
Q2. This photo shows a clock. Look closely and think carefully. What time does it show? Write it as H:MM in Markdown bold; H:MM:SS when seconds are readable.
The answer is **10:43:30**
